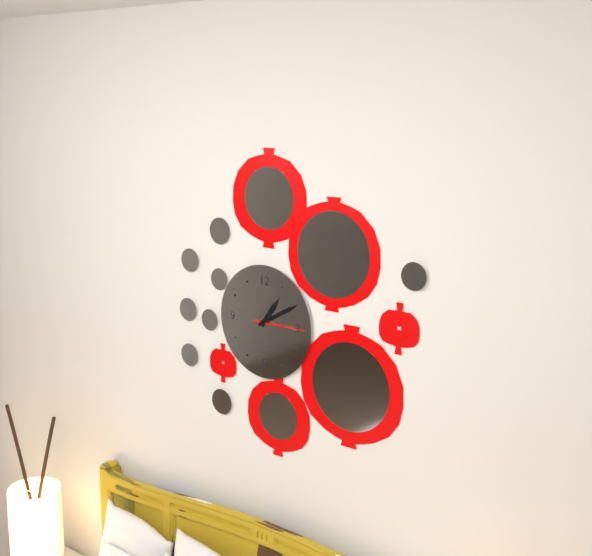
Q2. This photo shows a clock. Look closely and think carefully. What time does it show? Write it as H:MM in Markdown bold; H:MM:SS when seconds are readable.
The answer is **1:10:15**
